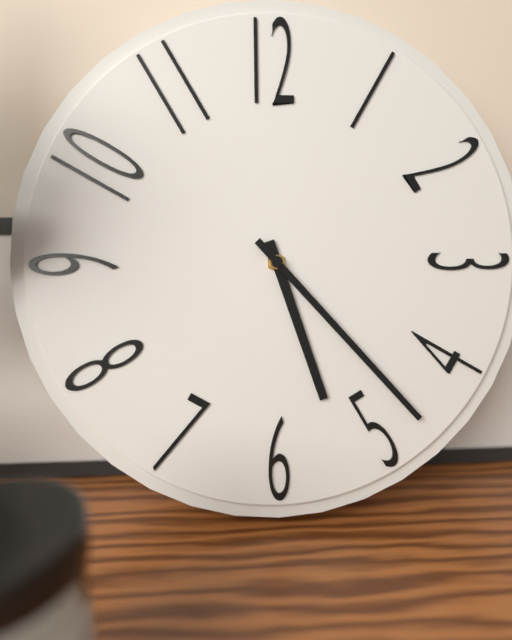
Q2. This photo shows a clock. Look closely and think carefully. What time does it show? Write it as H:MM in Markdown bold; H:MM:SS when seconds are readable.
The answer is **5:23**
